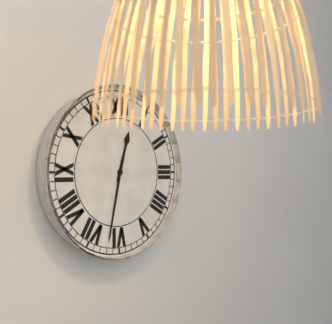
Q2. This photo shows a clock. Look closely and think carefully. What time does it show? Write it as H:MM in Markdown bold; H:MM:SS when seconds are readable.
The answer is **12:32**
